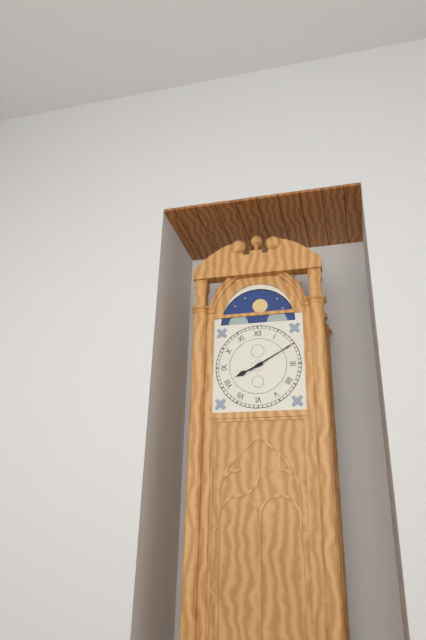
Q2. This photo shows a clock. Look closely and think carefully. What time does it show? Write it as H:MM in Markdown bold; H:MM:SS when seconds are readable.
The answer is **8:10**
